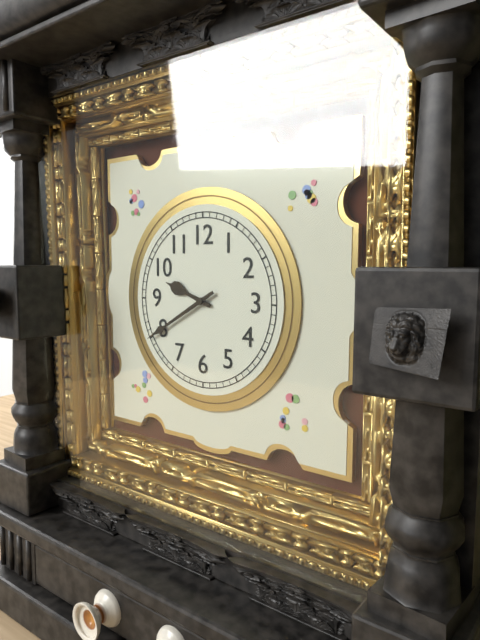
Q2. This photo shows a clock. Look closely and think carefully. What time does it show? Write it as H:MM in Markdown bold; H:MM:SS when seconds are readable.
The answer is **9:40**
